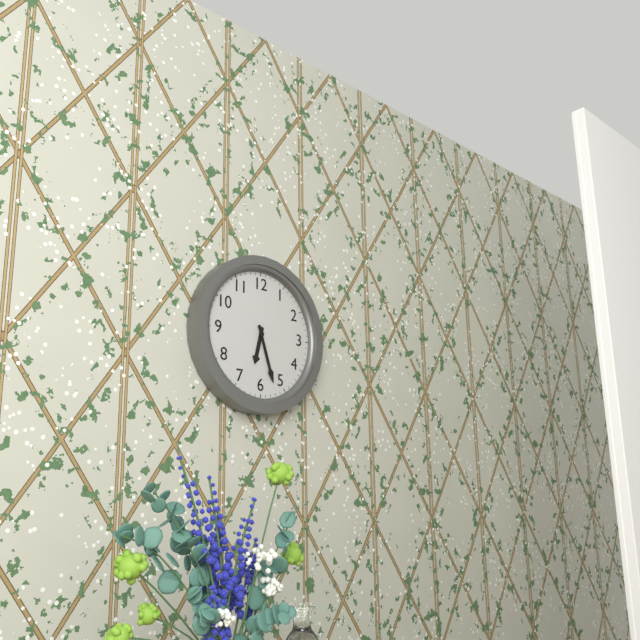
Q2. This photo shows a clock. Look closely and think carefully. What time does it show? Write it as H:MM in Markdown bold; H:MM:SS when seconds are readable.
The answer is **6:27**
